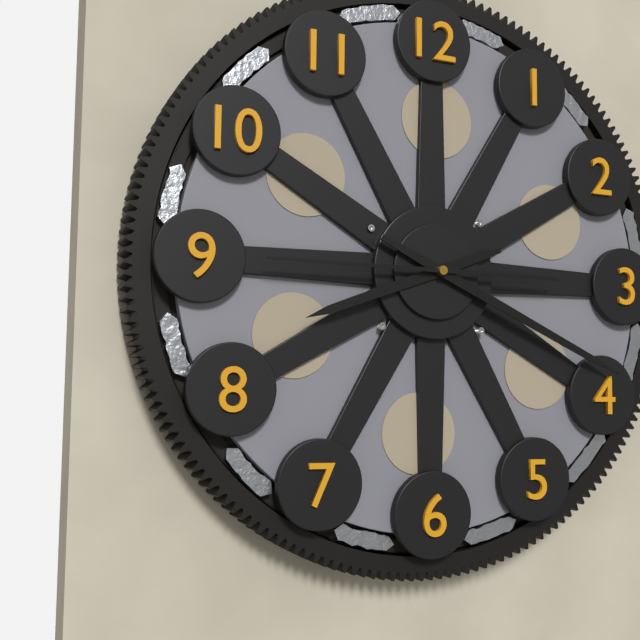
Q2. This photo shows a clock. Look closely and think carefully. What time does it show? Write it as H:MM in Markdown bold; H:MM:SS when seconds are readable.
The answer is **8:19:45**
